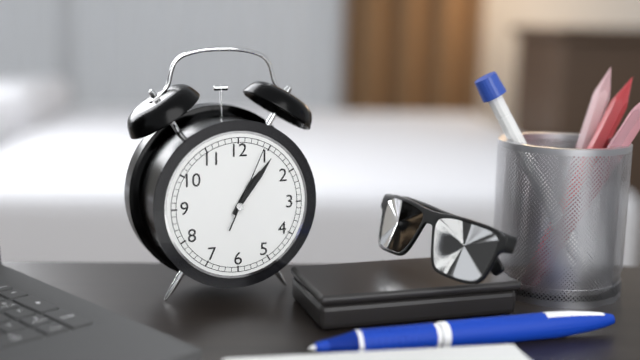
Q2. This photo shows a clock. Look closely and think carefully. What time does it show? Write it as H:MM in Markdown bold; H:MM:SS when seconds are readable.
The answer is **1:06:04**
